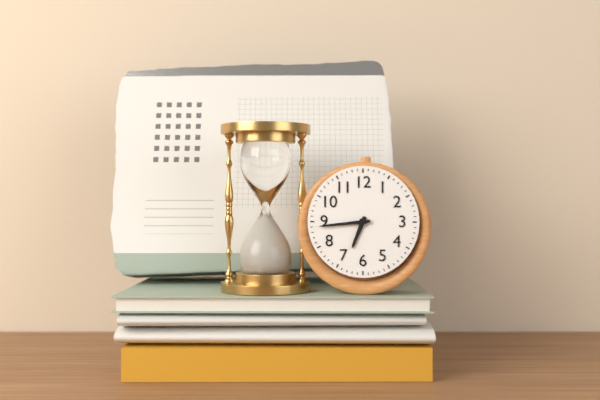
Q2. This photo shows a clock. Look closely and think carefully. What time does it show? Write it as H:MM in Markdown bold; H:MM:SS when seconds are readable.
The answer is **6:44**
